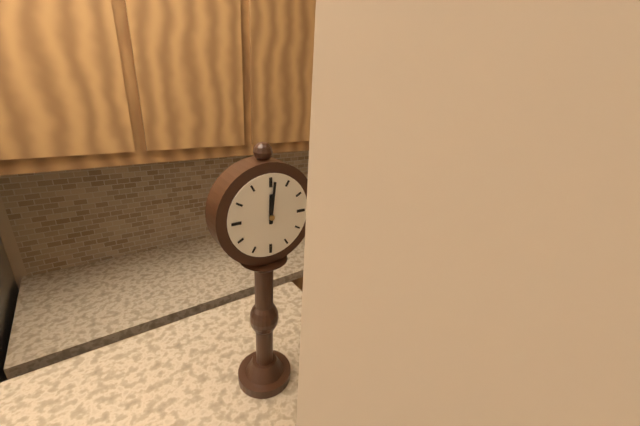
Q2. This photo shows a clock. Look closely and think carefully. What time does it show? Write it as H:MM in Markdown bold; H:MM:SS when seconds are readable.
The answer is **12:01**
